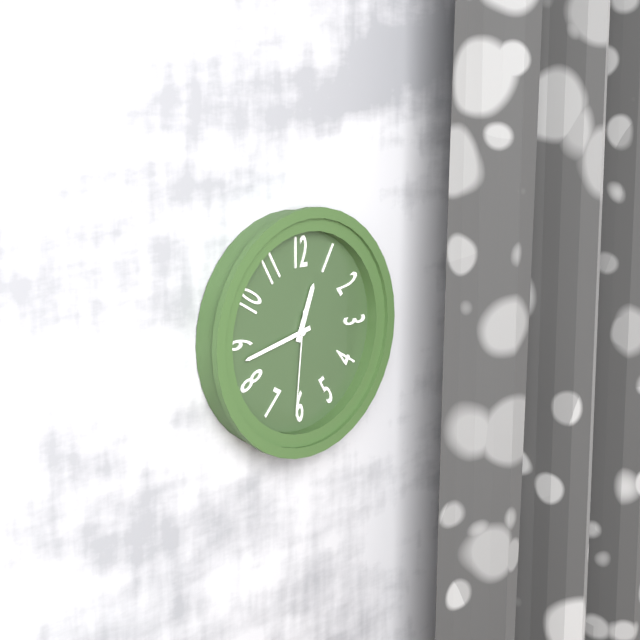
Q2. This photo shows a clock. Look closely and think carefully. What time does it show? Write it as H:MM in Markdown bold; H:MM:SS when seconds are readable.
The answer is **12:43:31**
